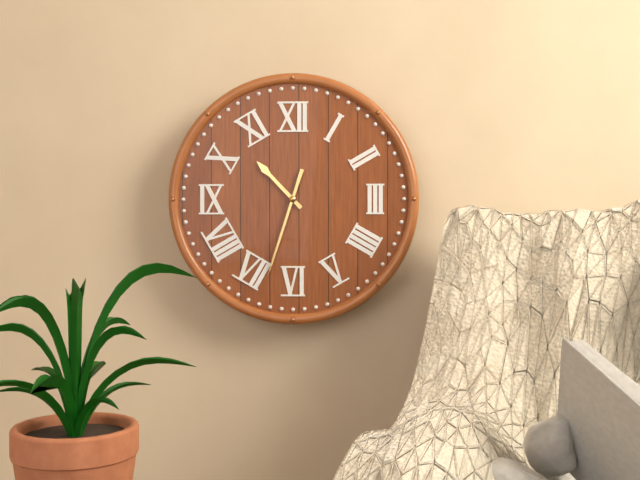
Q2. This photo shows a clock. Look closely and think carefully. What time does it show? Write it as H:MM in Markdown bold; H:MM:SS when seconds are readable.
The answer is **10:33**
